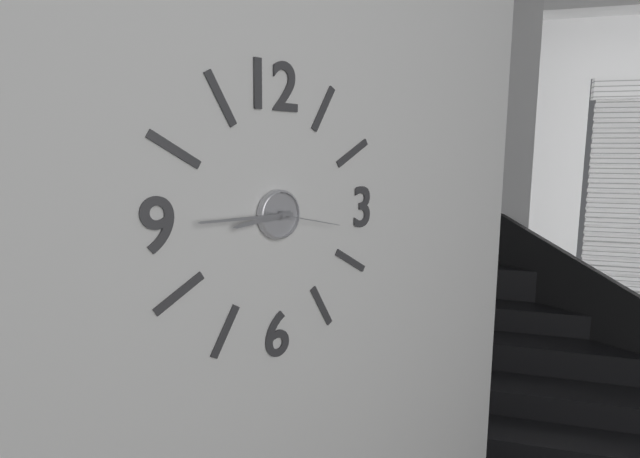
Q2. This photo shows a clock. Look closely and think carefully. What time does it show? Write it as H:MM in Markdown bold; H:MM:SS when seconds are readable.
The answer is **8:45:17**
